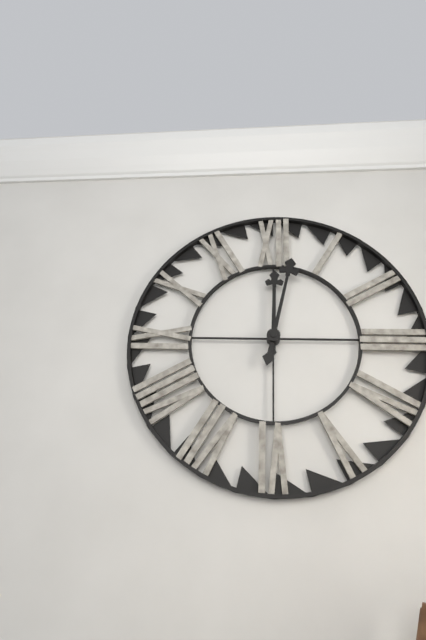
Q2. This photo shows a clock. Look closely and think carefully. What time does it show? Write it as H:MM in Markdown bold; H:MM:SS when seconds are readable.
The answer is **12:02**
